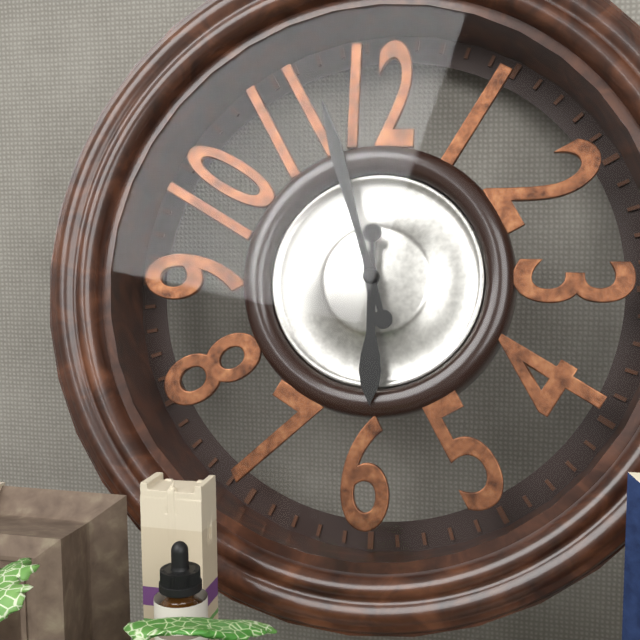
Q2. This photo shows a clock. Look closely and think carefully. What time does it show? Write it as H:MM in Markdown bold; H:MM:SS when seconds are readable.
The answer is **5:57**
